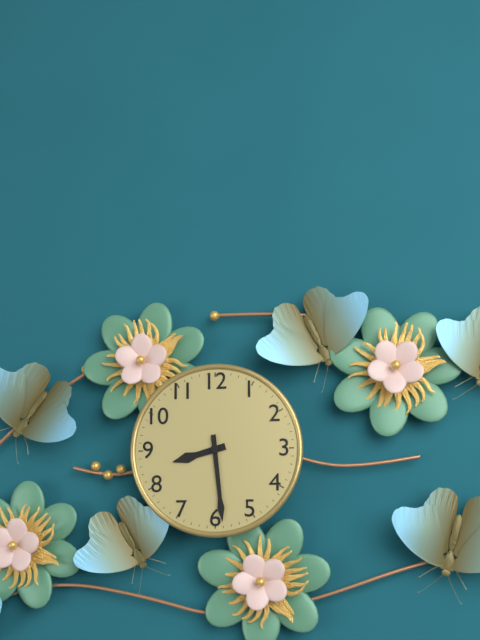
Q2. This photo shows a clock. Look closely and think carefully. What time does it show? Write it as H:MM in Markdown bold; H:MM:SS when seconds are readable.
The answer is **8:29**
